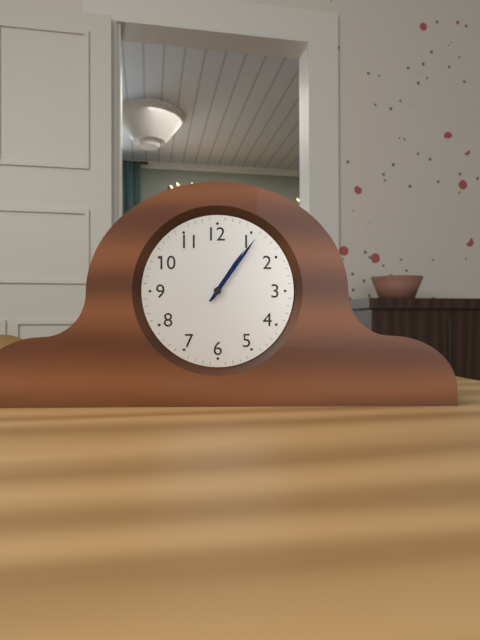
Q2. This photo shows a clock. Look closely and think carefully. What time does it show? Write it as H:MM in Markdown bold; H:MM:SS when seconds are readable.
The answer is **1:06**
